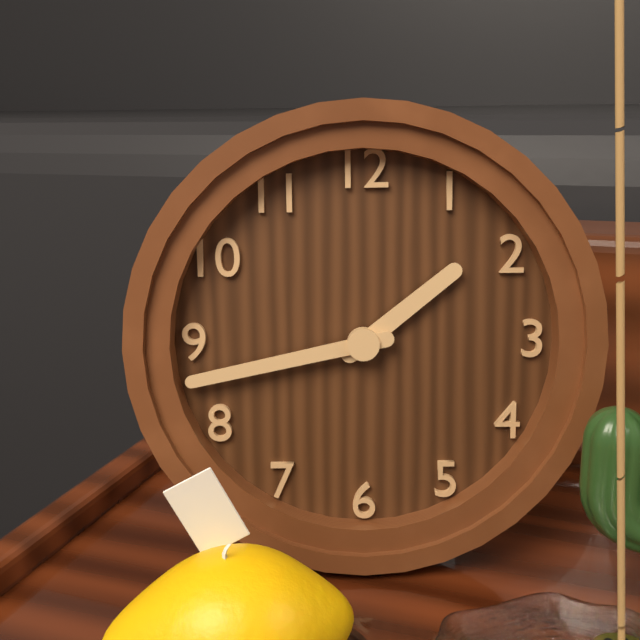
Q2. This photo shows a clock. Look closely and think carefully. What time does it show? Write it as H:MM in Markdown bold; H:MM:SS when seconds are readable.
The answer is **1:43**
